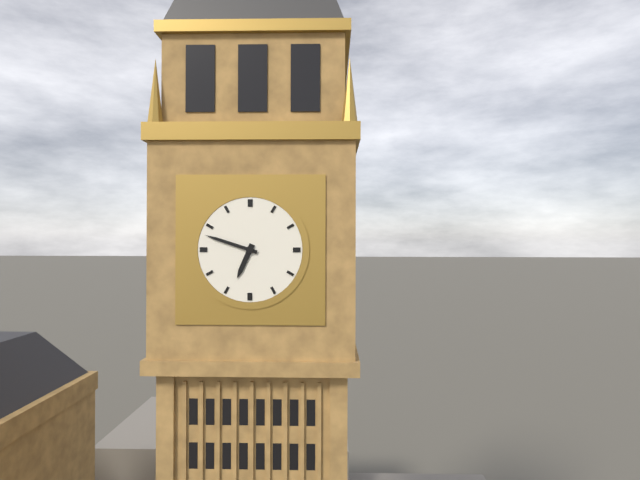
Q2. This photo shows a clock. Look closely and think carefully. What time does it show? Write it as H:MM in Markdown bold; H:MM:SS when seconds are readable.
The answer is **6:48**
